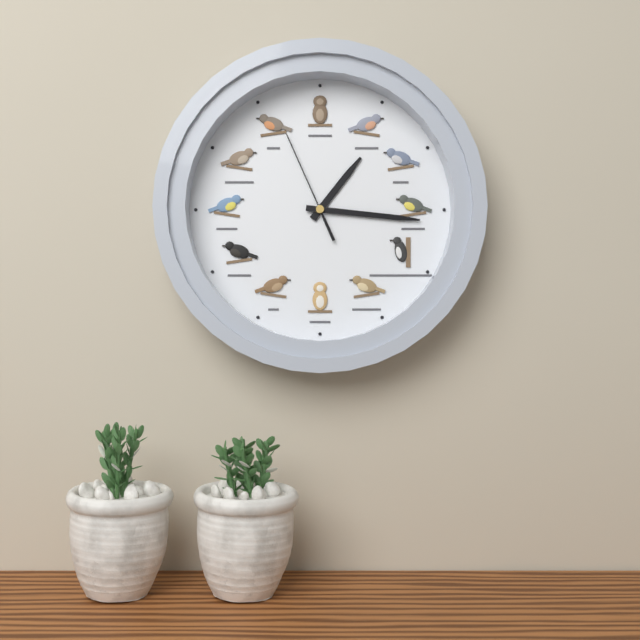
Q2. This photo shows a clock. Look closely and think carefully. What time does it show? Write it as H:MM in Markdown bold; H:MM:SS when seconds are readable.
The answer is **1:16:56**
